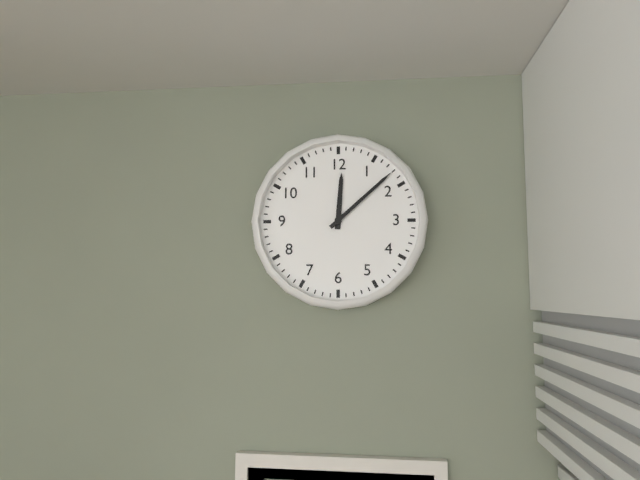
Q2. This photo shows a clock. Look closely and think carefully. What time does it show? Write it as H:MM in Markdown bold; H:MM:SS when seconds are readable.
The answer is **12:08**
